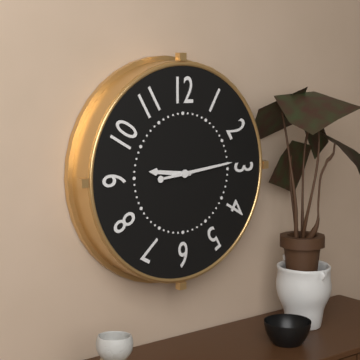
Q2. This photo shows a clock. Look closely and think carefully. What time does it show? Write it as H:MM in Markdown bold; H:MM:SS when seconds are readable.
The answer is **9:14**
